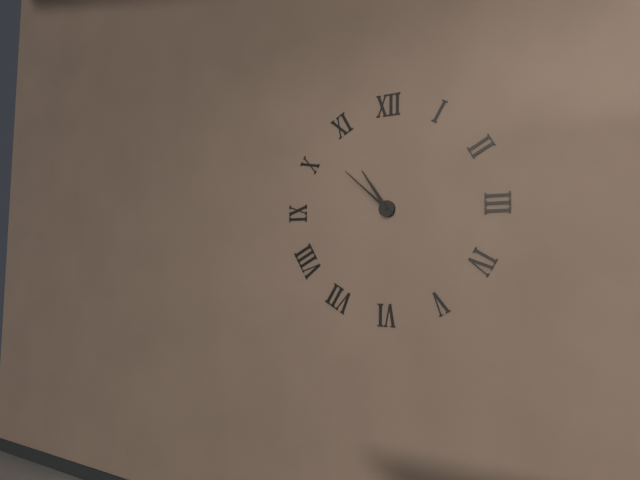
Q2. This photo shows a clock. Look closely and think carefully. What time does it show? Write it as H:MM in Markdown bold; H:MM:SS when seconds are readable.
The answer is **10:52**
